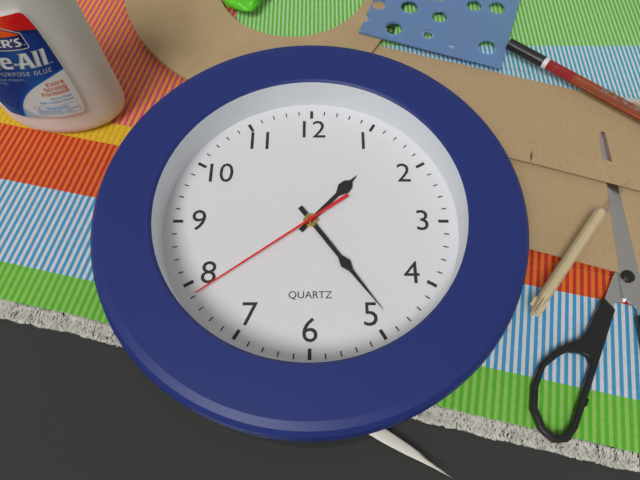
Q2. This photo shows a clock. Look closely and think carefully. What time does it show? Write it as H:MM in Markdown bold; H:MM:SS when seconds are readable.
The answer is **1:24:39**
